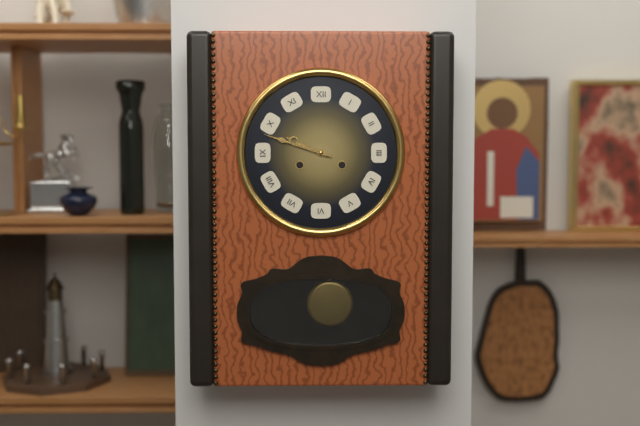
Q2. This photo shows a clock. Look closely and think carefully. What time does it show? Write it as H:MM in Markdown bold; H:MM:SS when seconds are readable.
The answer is **9:48**
